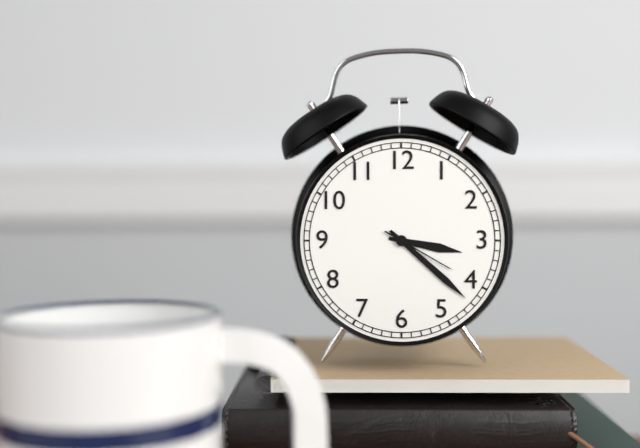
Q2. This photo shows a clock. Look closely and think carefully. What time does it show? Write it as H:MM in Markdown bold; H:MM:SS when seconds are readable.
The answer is **3:22:20**
